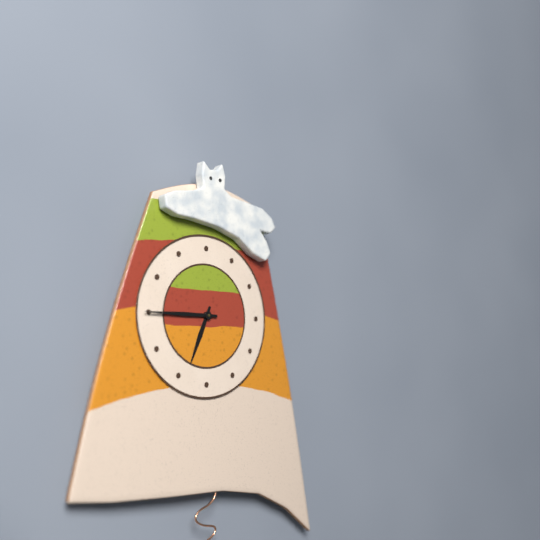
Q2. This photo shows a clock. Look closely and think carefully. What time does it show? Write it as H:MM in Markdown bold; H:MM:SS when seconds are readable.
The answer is **6:45**
